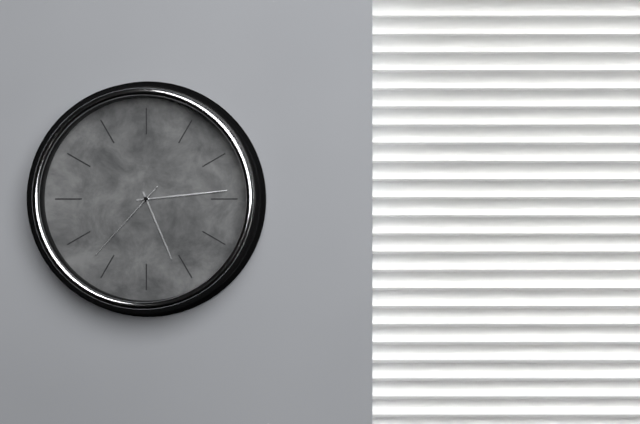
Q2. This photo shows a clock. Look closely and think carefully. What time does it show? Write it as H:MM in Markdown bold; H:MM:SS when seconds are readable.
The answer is **5:14:37**
